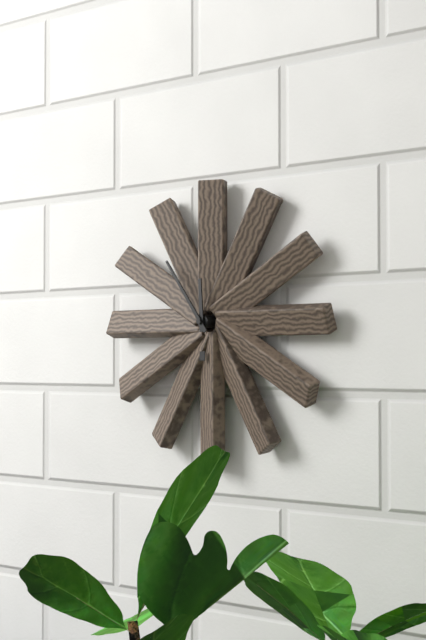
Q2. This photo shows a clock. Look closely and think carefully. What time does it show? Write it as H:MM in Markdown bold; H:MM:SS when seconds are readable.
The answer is **11:54**
